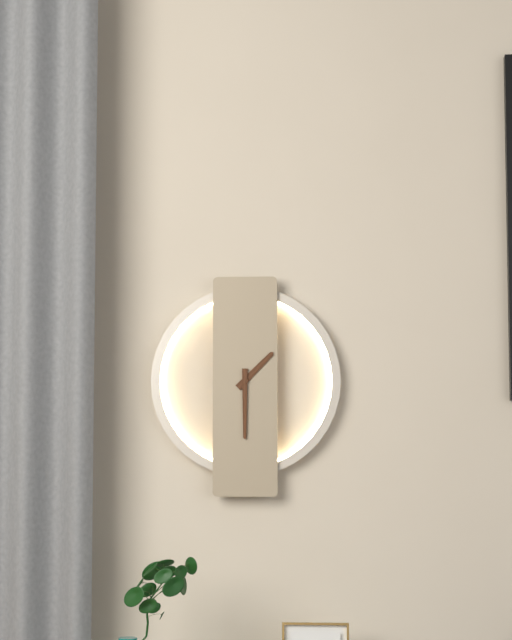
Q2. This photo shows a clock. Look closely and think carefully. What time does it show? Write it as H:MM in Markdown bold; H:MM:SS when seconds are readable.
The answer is **1:30**
